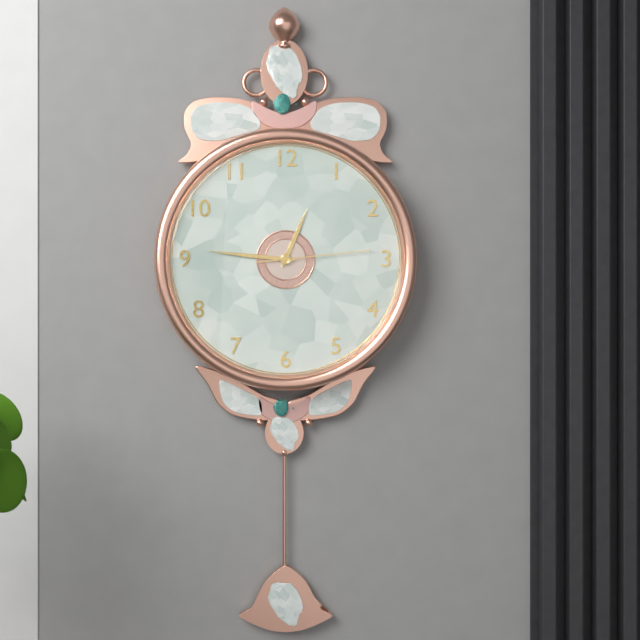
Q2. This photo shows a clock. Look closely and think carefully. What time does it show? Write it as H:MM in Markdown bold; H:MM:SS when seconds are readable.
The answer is **12:46:14**
